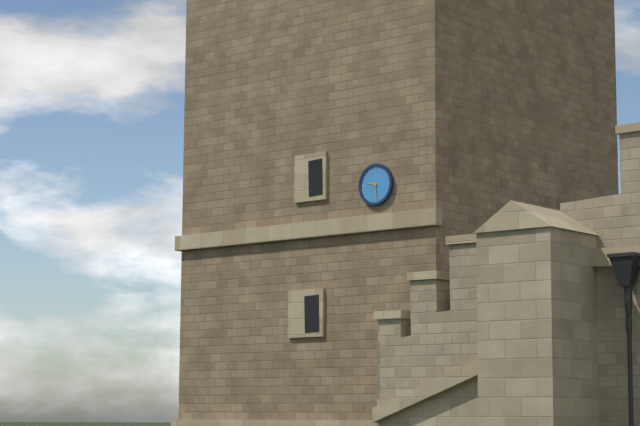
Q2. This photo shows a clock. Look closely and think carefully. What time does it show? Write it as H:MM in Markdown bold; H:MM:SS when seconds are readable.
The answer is **9:29**
